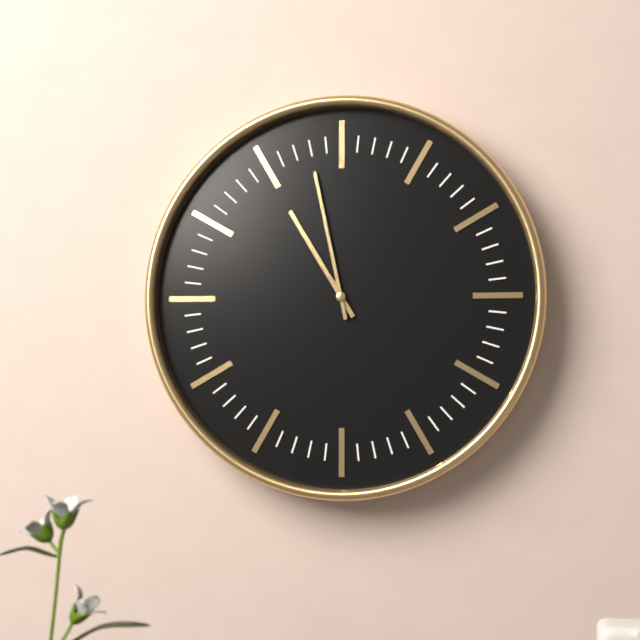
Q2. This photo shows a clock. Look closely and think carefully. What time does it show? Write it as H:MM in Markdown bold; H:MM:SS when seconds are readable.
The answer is **10:58**
